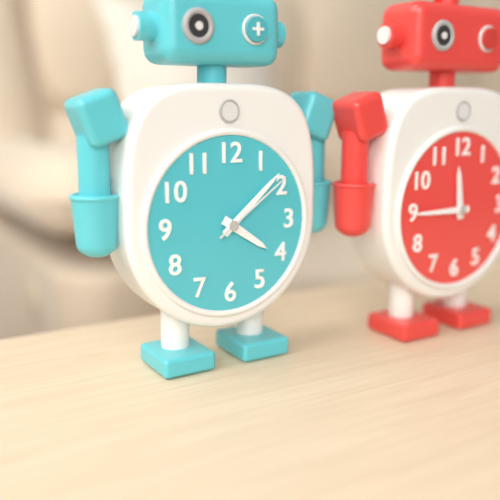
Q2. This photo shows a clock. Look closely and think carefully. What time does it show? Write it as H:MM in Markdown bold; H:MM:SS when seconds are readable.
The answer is **4:08:09**
